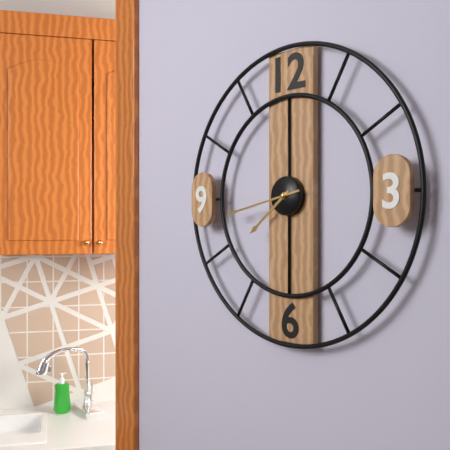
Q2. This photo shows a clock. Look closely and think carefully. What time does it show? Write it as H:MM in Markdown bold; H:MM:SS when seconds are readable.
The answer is **7:43**
